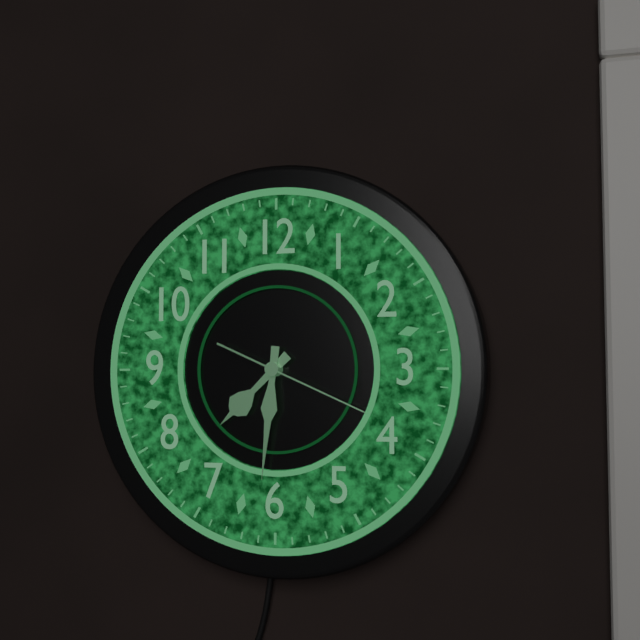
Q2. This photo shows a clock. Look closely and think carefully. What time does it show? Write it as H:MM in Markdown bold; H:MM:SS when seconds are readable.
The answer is **7:31:19**
